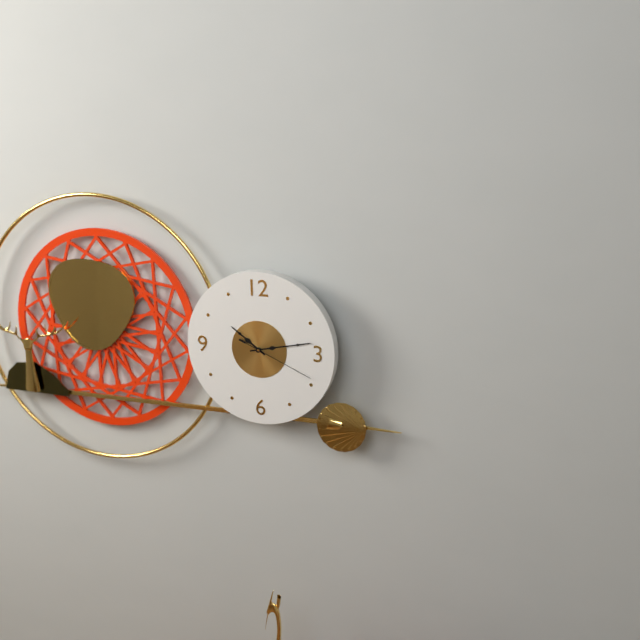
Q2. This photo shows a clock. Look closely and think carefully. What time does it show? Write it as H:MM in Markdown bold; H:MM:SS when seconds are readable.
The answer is **10:13:19**
